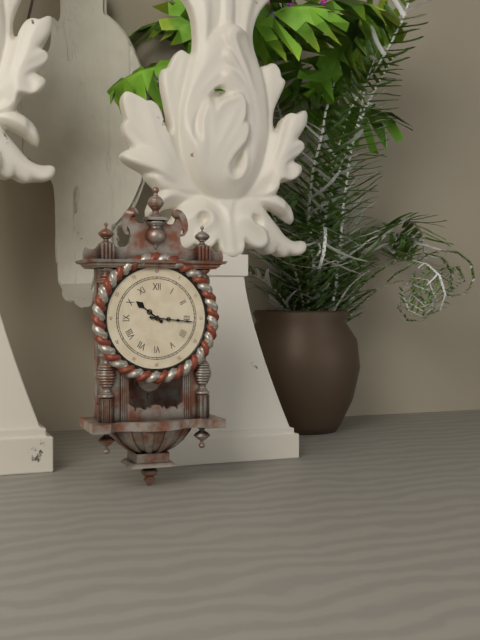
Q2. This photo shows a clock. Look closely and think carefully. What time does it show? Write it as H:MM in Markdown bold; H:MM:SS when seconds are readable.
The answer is **10:16**
